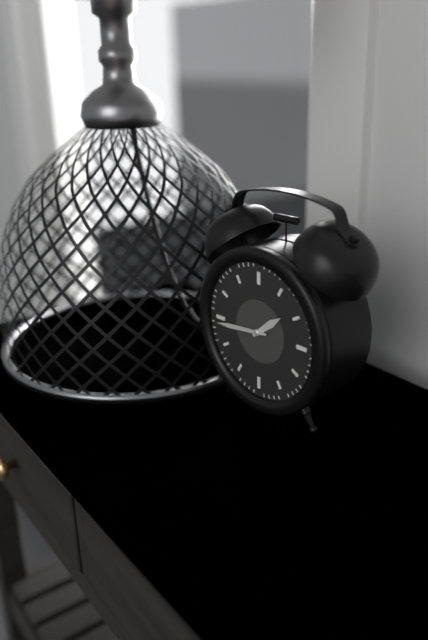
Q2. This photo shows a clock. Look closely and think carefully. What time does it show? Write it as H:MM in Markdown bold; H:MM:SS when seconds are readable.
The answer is **1:44**
